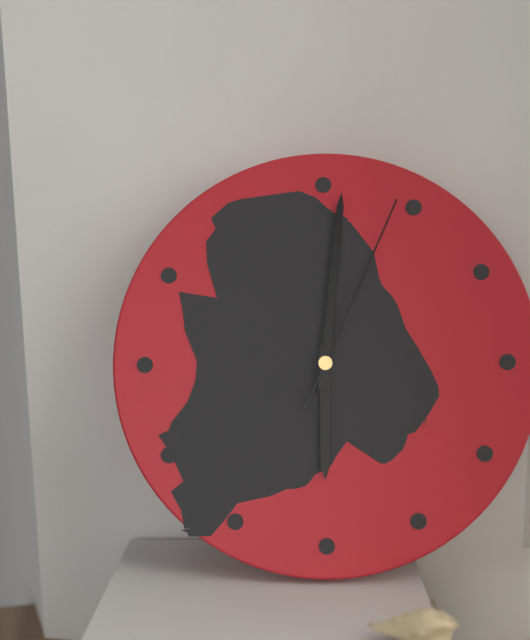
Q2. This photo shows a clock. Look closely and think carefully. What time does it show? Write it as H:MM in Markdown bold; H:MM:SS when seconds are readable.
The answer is **6:01:04**
